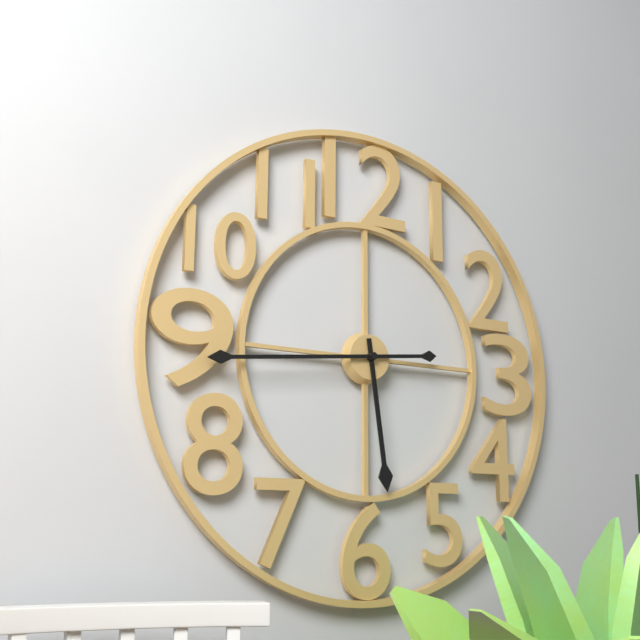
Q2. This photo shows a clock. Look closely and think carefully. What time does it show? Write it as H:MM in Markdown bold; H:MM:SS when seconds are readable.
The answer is **5:44**
